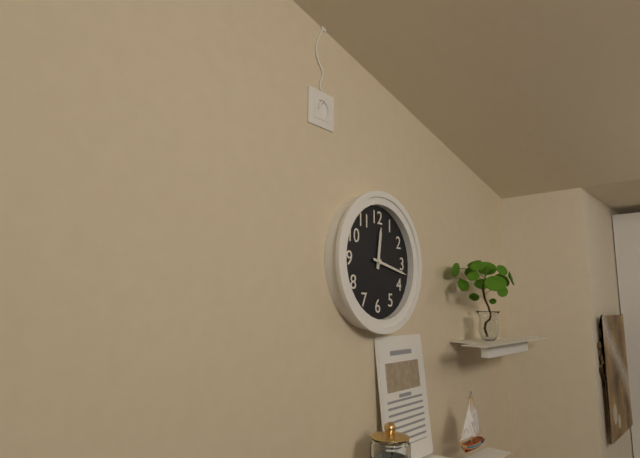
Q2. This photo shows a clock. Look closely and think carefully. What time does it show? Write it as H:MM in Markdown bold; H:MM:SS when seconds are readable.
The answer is **12:17**
